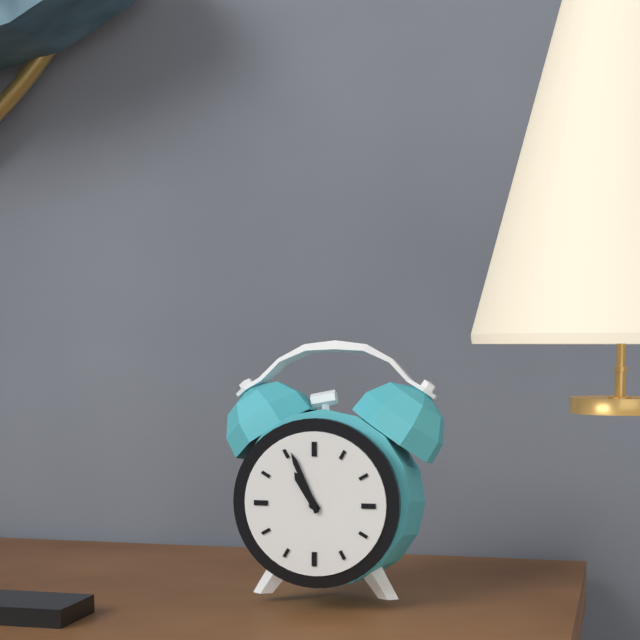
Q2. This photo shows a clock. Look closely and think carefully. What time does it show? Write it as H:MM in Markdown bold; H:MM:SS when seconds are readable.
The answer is **10:56**
